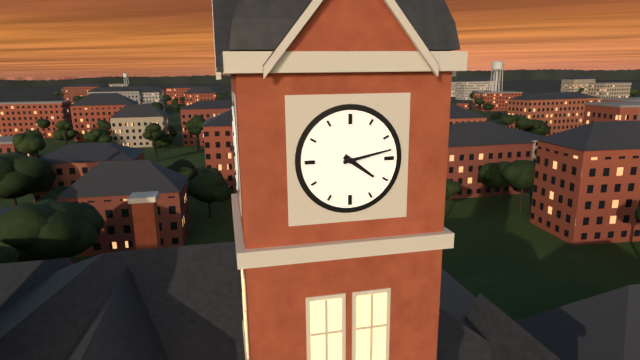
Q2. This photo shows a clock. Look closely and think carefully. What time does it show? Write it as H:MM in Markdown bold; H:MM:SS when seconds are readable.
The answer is **4:13**
